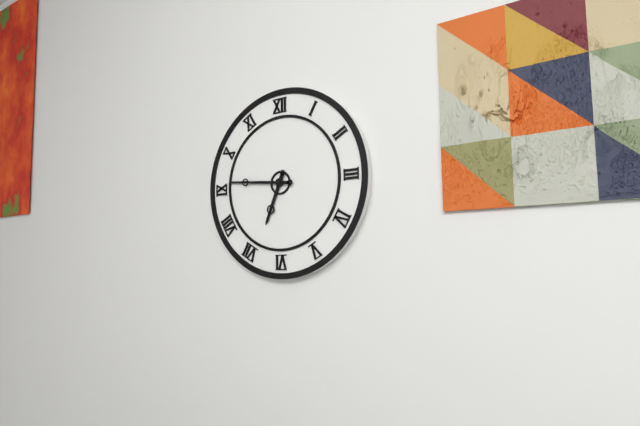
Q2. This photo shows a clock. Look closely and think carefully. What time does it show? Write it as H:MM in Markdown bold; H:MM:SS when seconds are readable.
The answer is **6:46**
